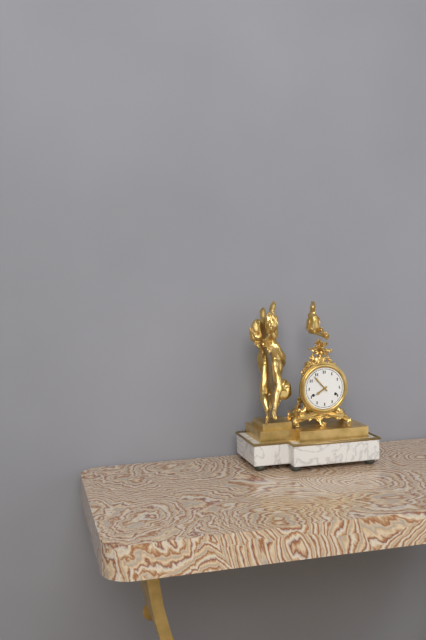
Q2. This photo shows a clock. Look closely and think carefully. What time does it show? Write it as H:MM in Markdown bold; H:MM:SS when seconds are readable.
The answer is **7:53**
